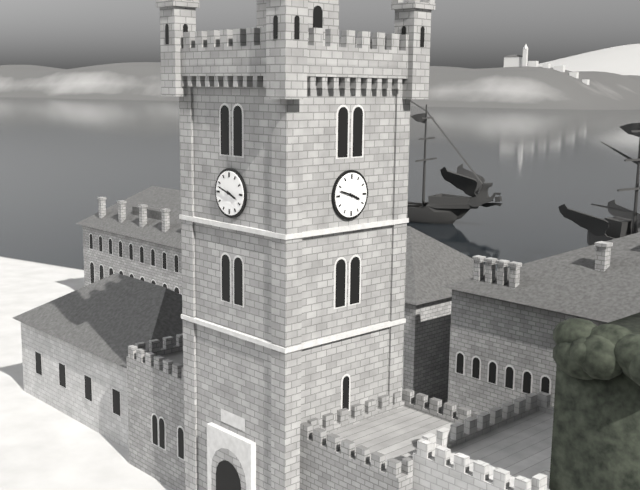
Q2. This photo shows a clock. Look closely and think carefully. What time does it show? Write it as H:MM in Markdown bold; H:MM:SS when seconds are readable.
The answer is **3:48**
